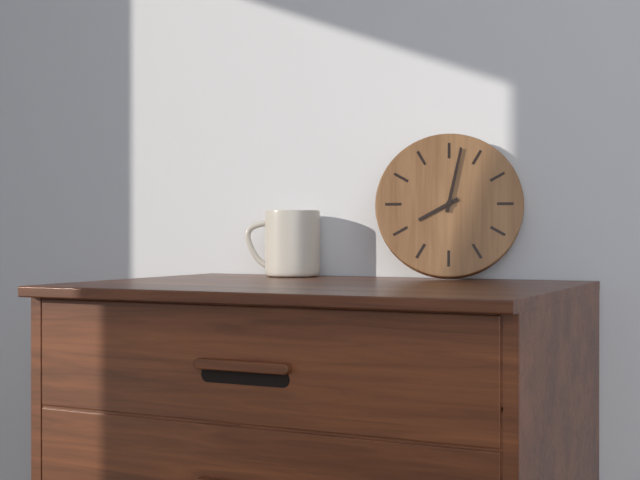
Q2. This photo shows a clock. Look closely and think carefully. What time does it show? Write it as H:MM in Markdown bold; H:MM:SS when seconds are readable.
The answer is **8:02**
